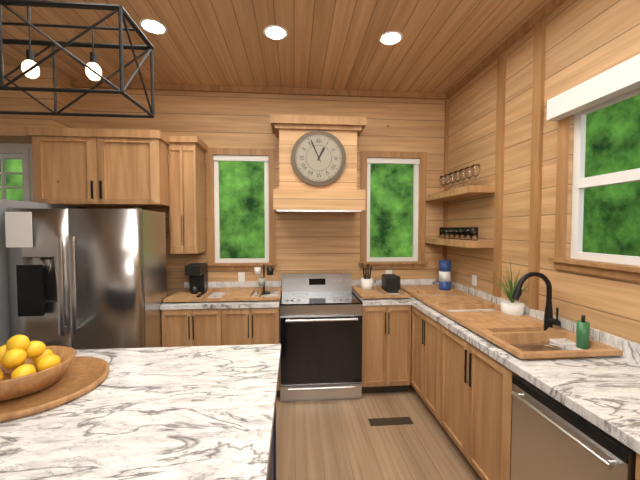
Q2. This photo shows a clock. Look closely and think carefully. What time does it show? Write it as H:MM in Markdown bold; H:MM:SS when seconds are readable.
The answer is **12:56**
